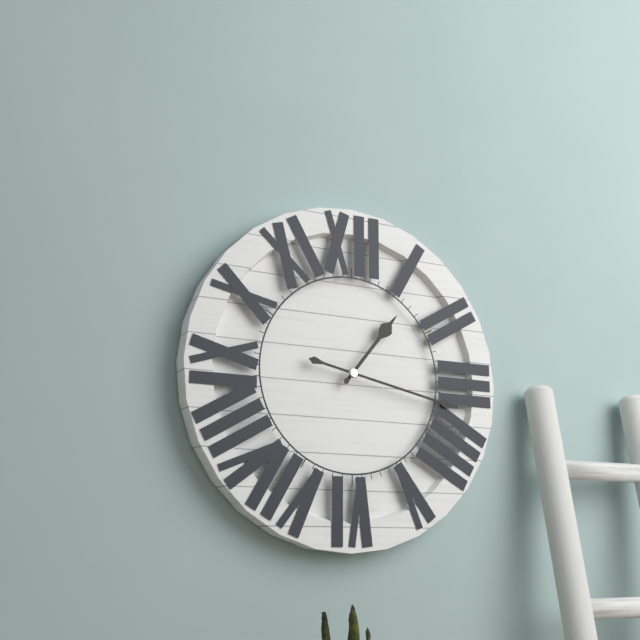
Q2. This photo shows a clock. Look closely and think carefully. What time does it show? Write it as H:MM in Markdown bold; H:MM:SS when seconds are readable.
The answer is **1:17**
